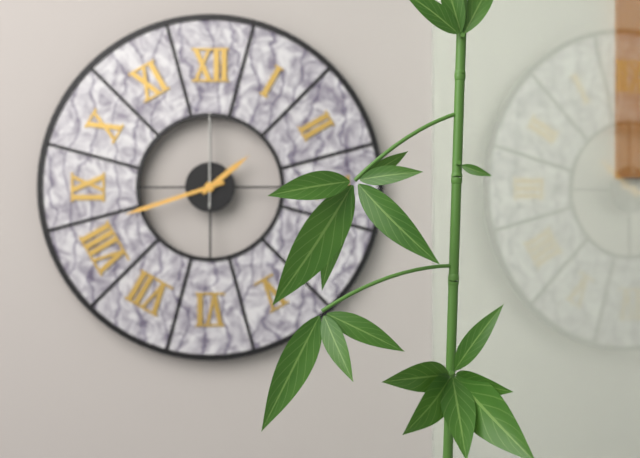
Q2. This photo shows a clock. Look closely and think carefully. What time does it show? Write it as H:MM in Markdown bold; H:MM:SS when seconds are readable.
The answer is **1:42:00**
